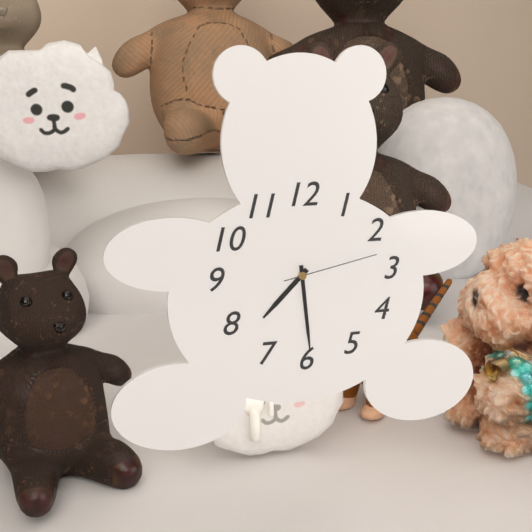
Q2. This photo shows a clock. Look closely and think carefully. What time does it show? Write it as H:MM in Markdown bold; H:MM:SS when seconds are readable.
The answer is **7:29:13**
